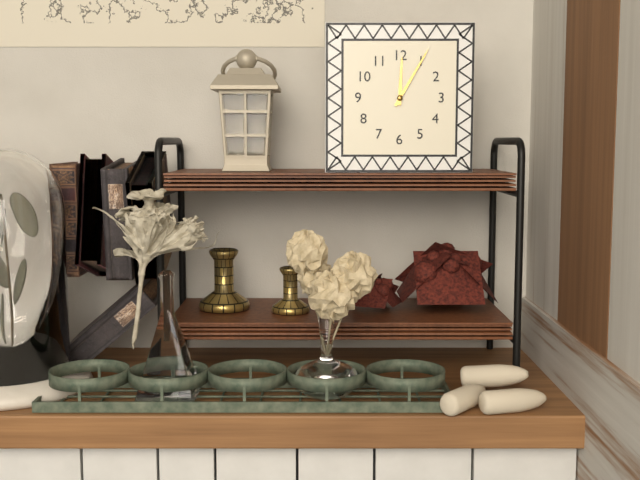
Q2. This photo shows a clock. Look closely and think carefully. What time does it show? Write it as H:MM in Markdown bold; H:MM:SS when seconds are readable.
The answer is **12:05**
